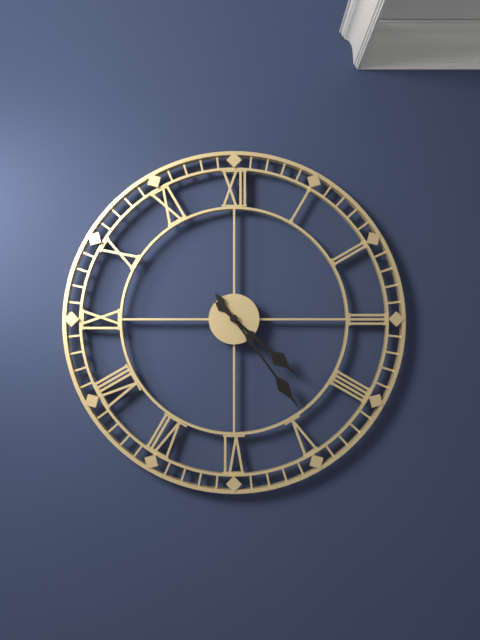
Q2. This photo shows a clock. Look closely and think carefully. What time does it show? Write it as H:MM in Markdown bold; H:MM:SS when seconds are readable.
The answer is **4:24**
